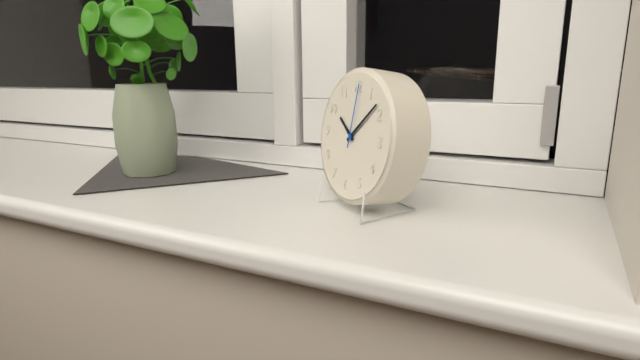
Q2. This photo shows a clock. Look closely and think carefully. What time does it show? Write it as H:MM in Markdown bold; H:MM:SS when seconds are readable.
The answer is **10:08:01**
